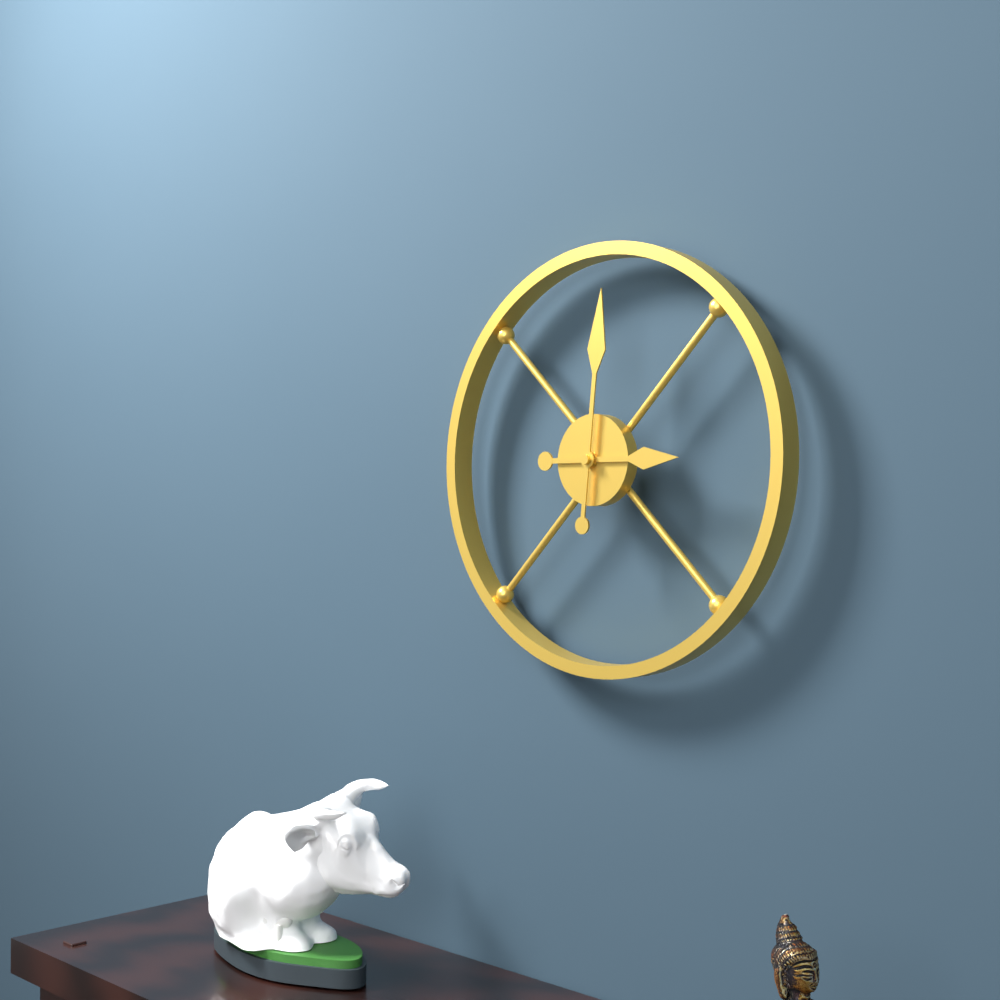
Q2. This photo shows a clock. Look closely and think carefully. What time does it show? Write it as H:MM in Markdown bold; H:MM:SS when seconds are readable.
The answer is **3:01**
